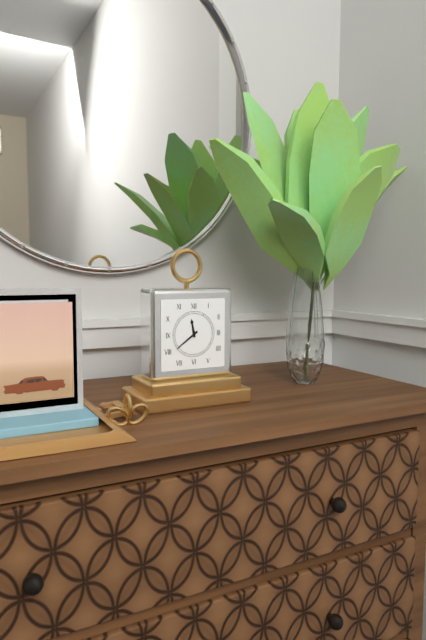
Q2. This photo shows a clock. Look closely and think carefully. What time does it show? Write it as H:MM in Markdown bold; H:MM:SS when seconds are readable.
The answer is **11:39**
